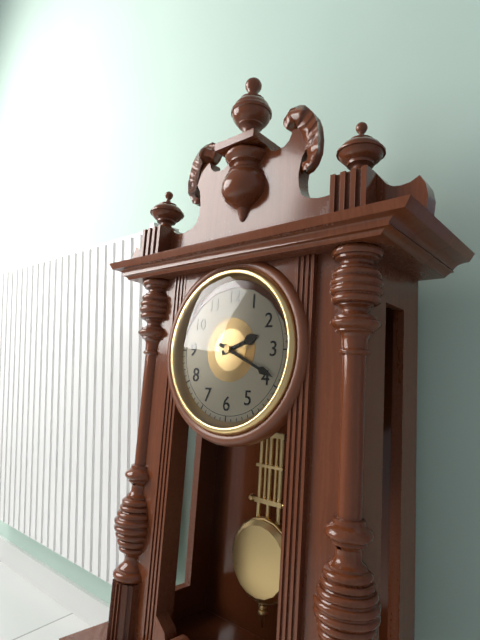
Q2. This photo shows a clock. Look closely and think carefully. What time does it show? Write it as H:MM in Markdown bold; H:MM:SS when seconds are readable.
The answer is **2:19**
